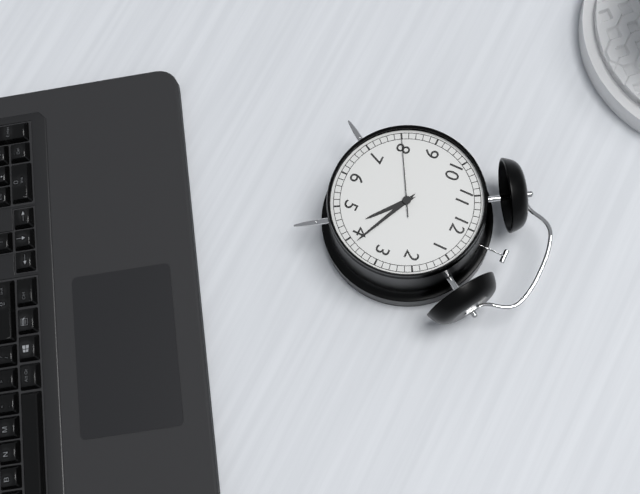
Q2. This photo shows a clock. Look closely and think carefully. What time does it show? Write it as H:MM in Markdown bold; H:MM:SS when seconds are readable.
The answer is **4:19:40**
